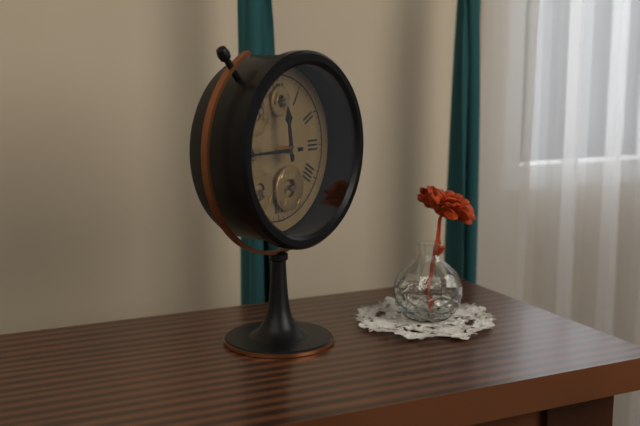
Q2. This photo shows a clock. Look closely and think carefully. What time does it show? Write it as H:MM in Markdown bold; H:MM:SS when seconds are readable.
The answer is **11:45**
